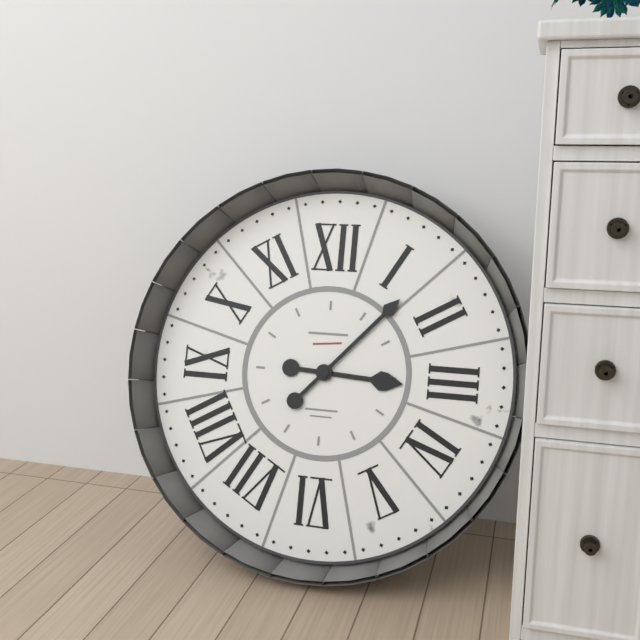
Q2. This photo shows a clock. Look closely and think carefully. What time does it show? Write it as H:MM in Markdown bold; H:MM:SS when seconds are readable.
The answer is **3:07**
